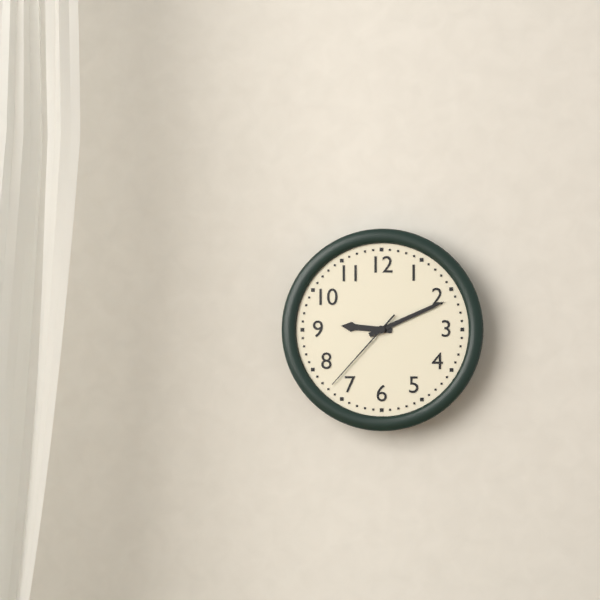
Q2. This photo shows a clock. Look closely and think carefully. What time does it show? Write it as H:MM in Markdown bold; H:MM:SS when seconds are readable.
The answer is **9:11:37**
